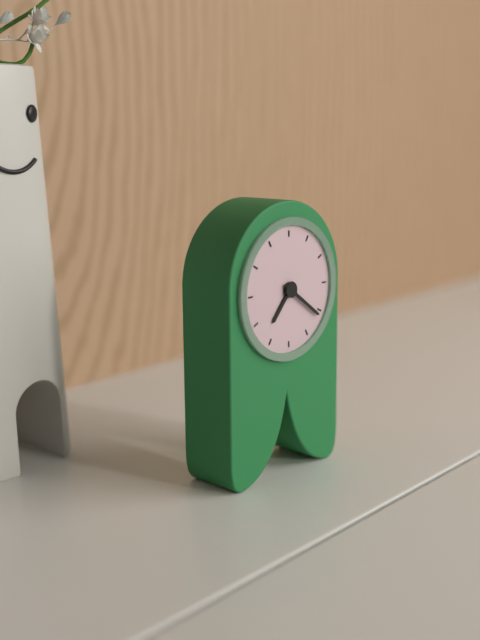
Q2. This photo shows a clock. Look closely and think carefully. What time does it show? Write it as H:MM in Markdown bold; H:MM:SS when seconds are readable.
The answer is **7:21**
